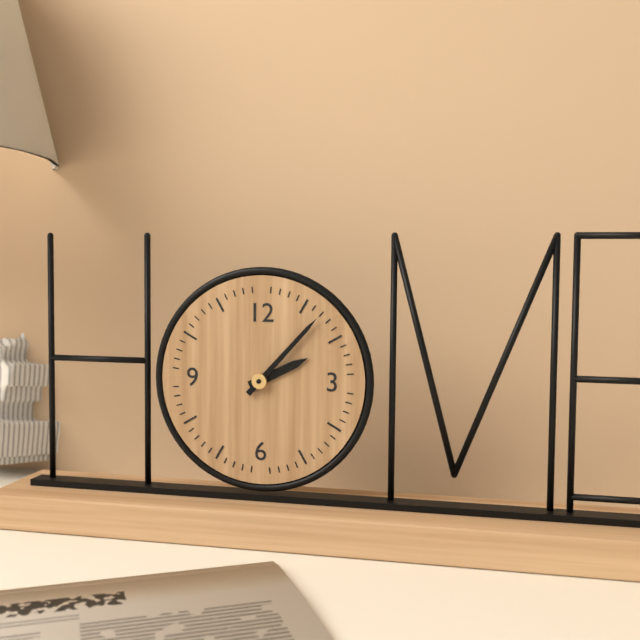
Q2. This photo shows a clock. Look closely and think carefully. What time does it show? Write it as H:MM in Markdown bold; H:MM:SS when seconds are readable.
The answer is **2:07**
